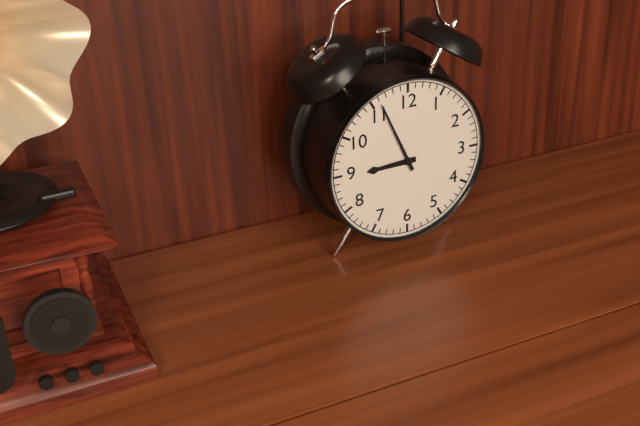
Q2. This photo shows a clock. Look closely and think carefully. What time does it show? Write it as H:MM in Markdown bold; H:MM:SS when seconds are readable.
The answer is **8:56**
